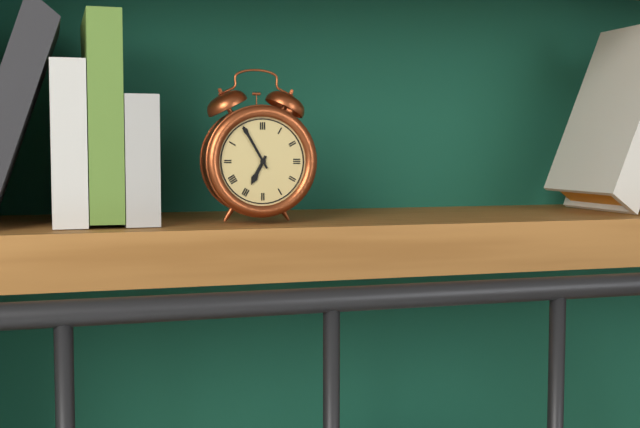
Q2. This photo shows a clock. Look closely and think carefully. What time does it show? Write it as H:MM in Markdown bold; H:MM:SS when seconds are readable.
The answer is **6:55**
